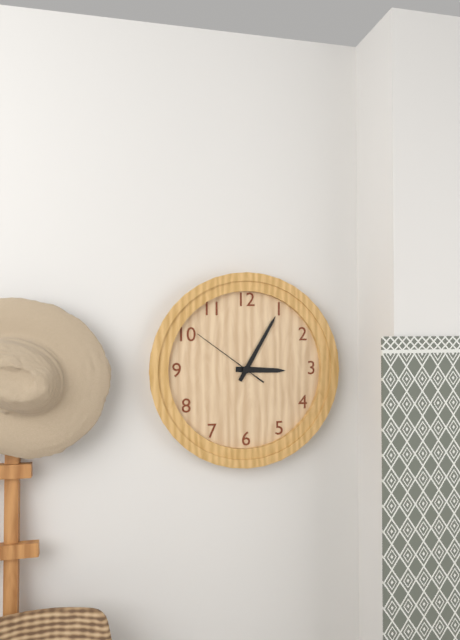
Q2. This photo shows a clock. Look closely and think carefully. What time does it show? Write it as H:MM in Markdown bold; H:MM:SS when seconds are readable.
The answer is **3:05:51**
